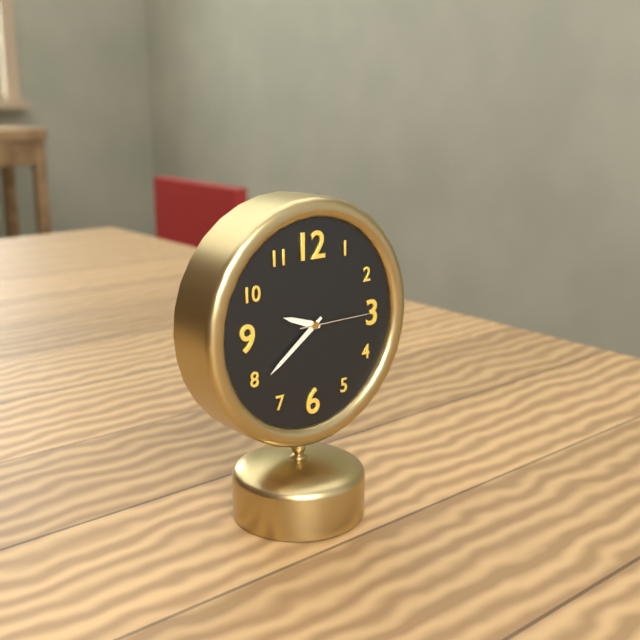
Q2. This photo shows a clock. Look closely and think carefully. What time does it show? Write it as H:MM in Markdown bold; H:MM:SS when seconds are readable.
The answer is **9:39:15**
